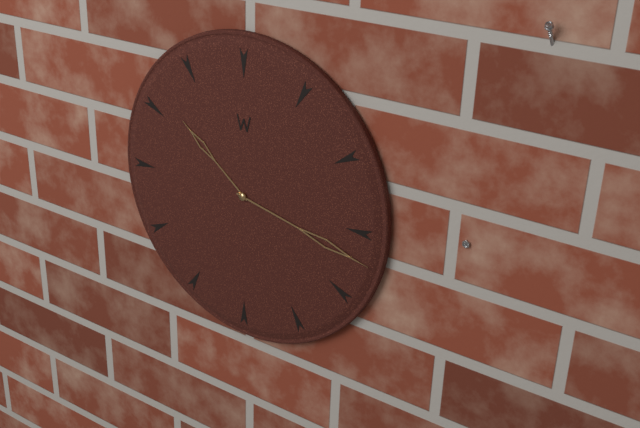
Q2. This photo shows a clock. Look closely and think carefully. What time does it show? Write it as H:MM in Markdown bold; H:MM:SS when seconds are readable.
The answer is **10:17**
